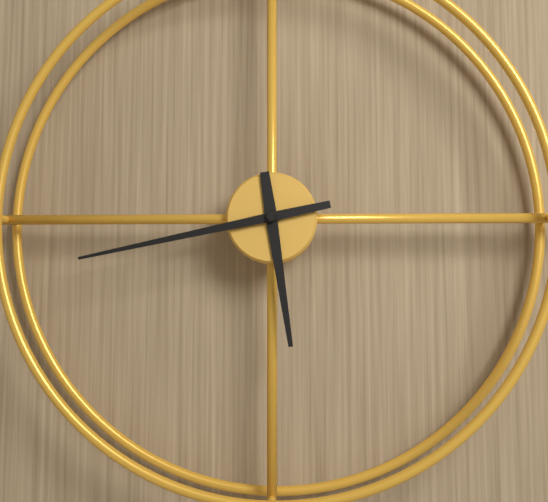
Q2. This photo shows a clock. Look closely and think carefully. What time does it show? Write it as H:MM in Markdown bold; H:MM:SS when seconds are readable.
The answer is **5:43**
